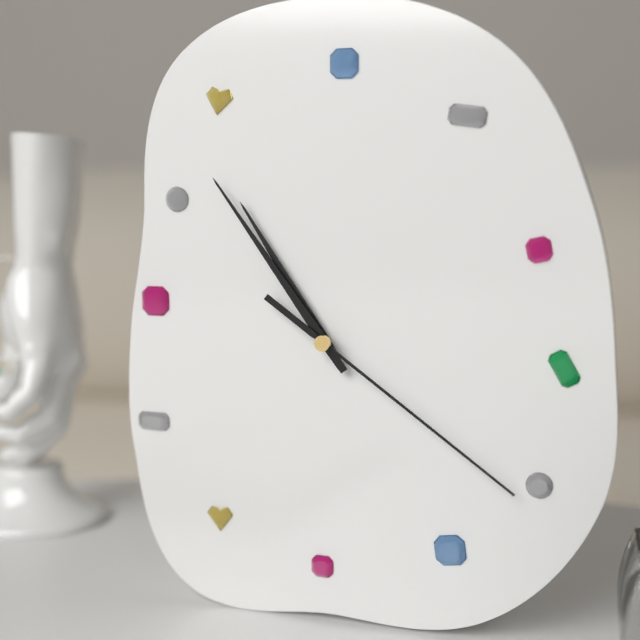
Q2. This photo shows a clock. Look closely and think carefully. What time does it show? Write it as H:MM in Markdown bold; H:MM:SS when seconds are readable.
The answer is **10:54:21**
